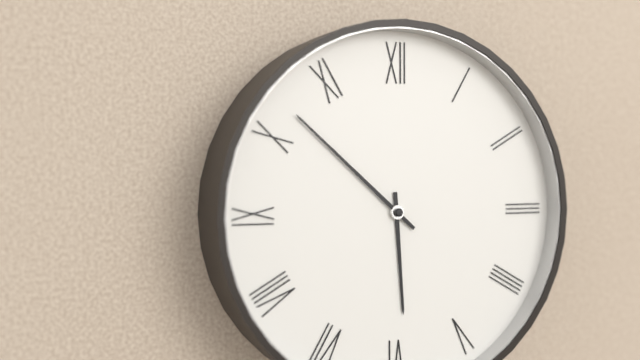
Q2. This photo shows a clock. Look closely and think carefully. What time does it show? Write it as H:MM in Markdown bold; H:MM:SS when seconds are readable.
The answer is **5:52**
